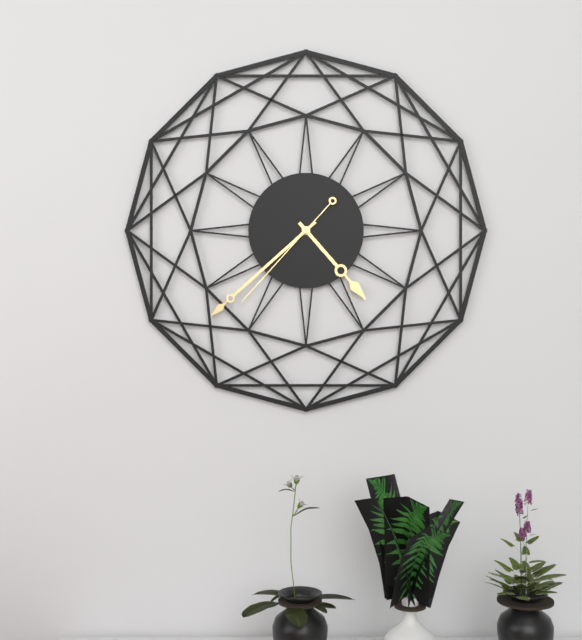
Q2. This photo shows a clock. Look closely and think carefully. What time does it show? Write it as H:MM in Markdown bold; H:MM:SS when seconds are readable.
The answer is **4:38:37**
